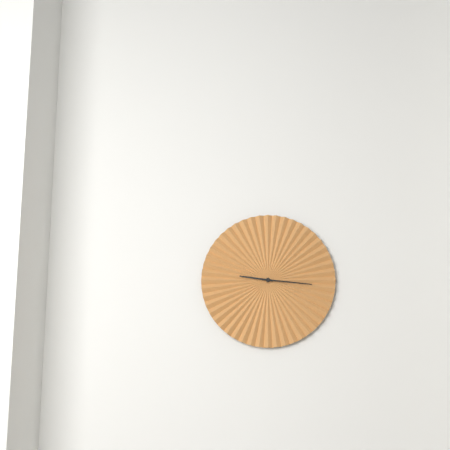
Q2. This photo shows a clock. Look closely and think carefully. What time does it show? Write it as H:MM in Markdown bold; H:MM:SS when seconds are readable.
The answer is **9:16**
